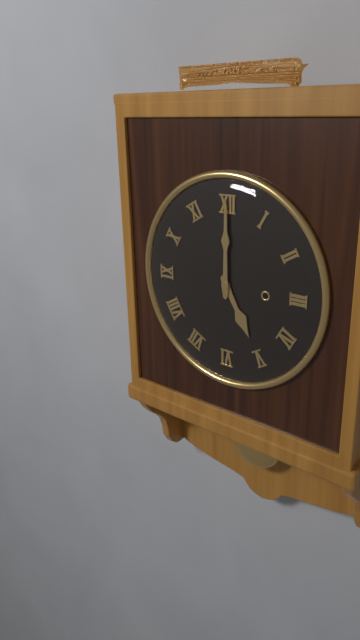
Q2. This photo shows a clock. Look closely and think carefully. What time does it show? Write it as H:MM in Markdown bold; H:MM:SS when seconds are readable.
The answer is **5:00**
